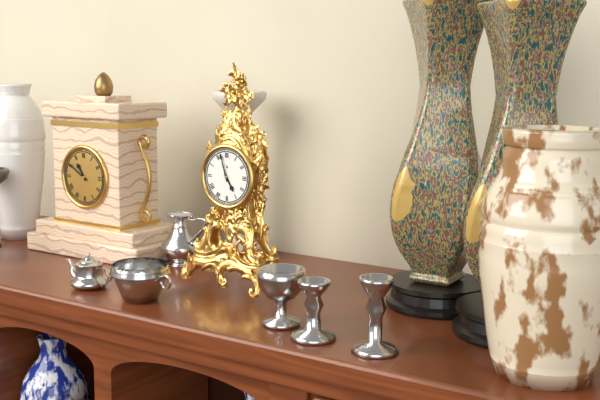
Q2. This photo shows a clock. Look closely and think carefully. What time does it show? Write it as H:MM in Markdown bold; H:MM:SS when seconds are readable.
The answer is **4:57**
